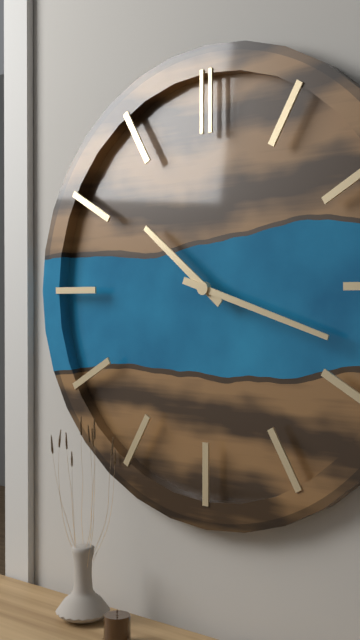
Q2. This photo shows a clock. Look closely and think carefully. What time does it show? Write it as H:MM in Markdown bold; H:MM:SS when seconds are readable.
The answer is **10:18**
